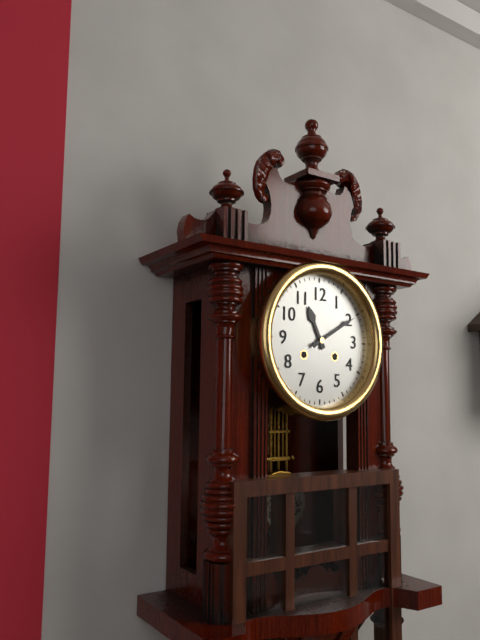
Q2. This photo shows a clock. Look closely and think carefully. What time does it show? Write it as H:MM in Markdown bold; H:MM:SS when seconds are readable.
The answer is **11:10**
